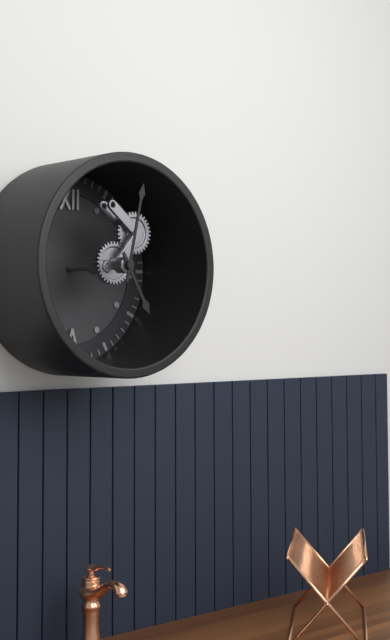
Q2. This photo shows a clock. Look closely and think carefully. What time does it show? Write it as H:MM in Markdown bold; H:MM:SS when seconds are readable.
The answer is **5:02**
